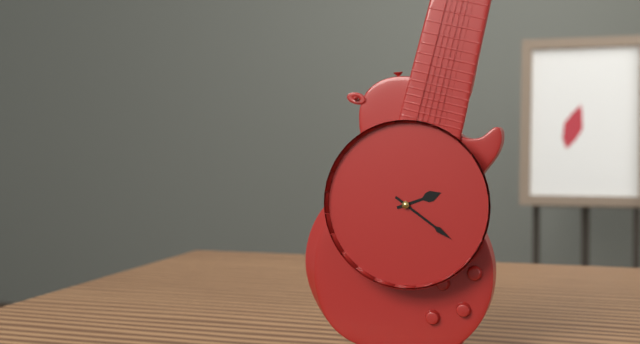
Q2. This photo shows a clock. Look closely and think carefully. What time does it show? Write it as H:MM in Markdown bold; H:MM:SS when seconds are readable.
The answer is **2:21**
